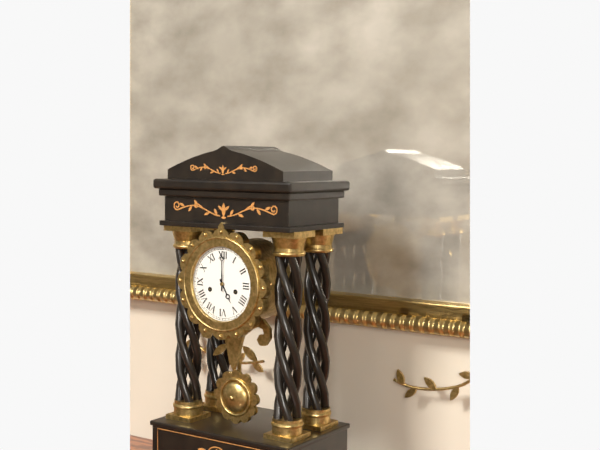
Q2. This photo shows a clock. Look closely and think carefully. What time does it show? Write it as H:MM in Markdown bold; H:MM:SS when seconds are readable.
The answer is **5:00**
